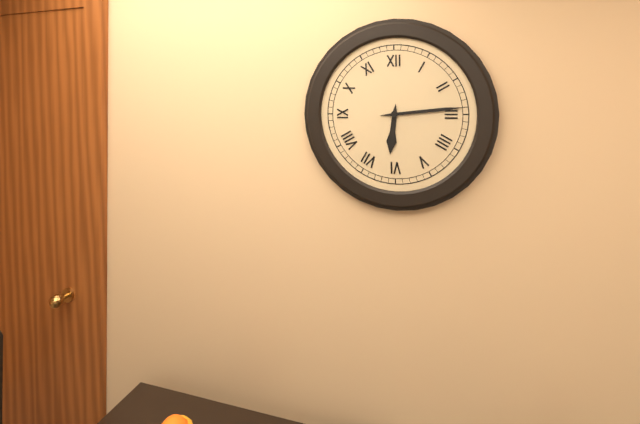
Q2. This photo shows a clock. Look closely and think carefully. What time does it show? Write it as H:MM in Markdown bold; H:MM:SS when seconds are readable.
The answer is **6:14**
